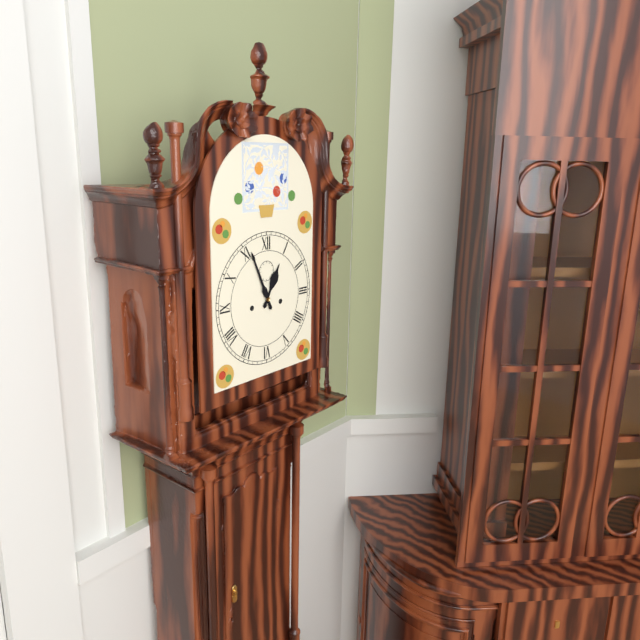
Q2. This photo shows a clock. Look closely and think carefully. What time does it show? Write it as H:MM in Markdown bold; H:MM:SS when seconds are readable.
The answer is **12:56**
